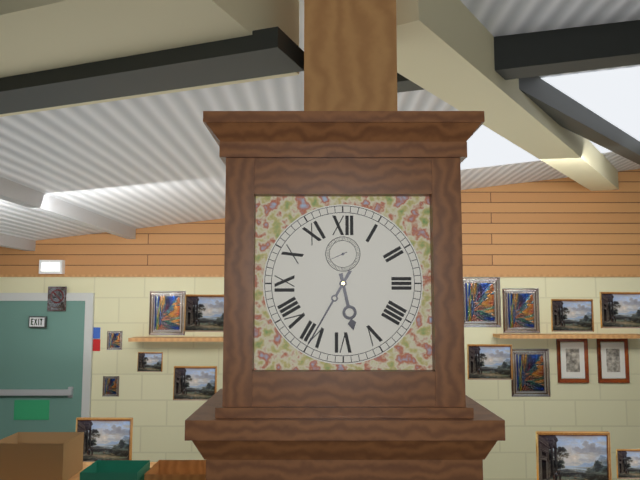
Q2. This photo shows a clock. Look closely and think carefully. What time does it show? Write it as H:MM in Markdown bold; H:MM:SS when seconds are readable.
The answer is **5:35**
